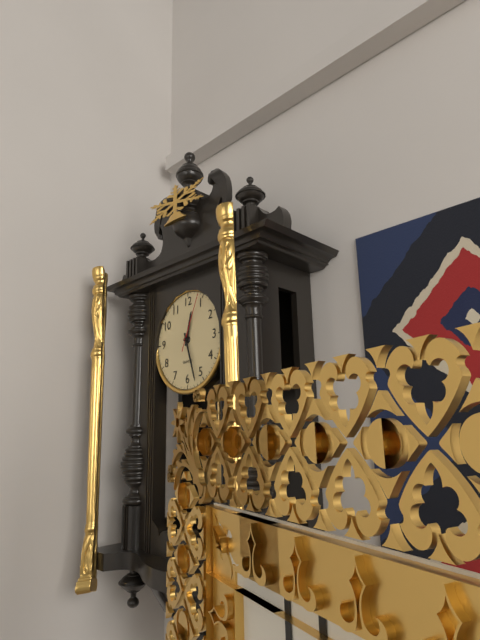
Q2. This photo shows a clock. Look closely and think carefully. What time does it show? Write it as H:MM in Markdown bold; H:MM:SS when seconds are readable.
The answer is **12:27:04**
